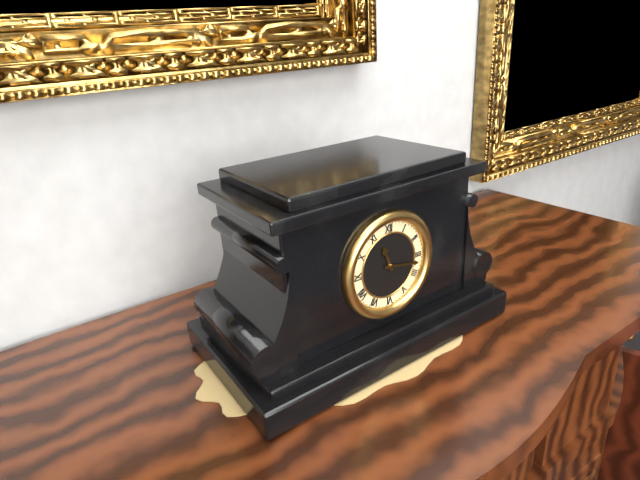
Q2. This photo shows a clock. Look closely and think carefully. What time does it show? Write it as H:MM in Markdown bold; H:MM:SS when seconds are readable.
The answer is **11:17**
